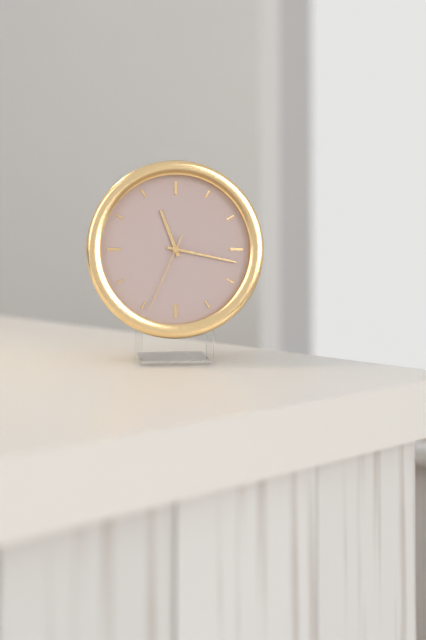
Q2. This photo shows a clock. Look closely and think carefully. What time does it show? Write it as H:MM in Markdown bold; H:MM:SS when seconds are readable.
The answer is **11:17:34**
